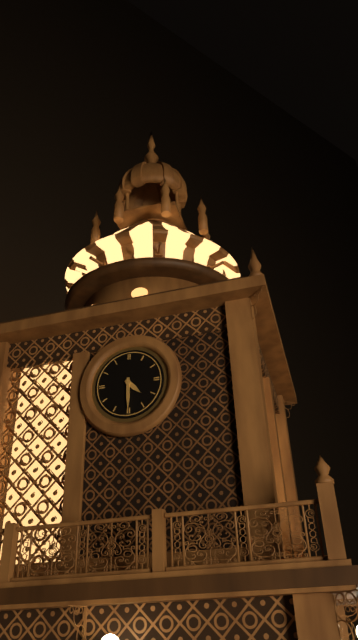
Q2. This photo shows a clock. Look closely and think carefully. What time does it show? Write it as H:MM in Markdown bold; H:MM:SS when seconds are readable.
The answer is **4:30**
